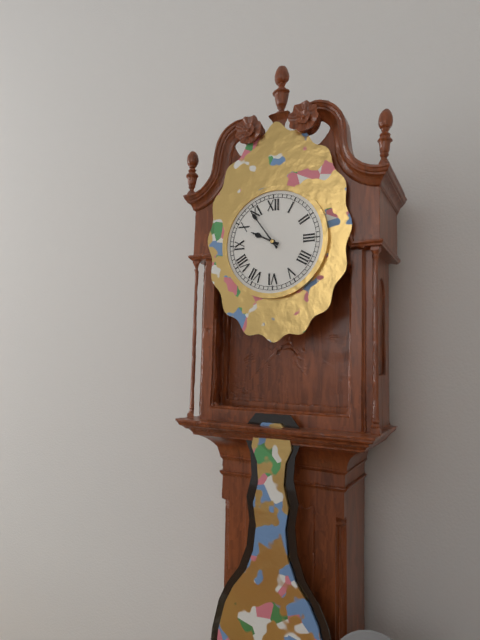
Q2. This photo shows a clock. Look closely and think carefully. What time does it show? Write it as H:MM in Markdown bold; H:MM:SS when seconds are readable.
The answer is **9:54**
